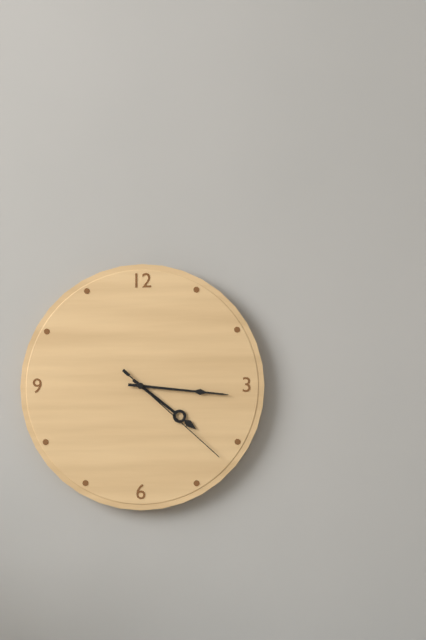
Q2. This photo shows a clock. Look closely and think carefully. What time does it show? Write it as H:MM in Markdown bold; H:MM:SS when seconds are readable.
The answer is **4:16:22**
